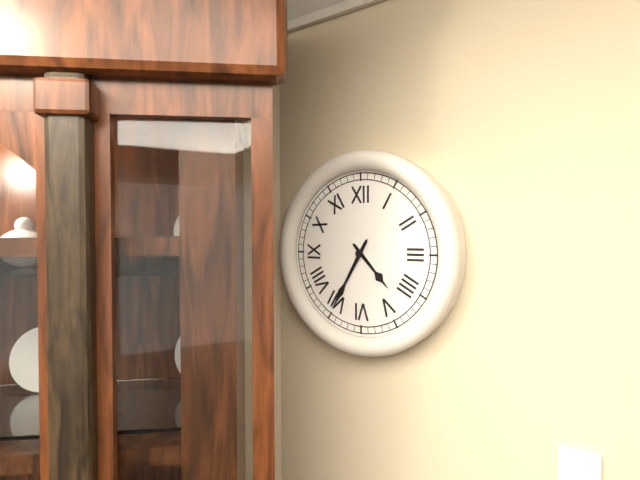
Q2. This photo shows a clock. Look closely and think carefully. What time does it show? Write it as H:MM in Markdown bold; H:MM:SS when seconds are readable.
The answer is **4:35**
